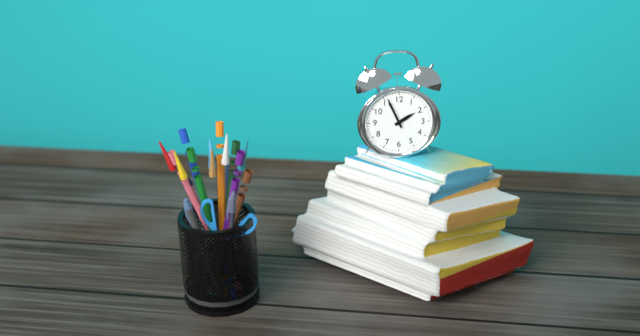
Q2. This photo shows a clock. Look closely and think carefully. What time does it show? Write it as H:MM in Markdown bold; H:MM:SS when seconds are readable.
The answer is **1:56**
